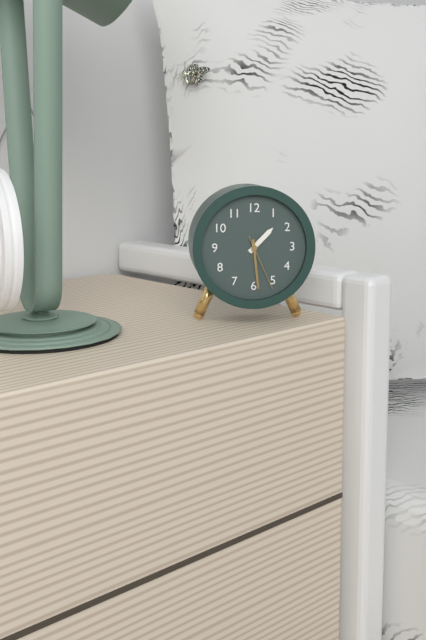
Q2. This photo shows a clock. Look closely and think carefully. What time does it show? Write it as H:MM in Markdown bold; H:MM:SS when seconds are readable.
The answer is **1:29:26**
